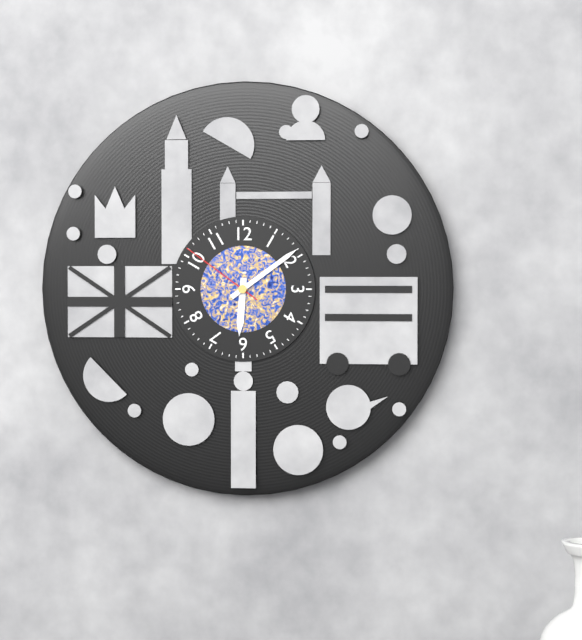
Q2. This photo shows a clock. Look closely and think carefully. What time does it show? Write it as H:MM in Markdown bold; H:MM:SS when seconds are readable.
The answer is **6:09:51**
